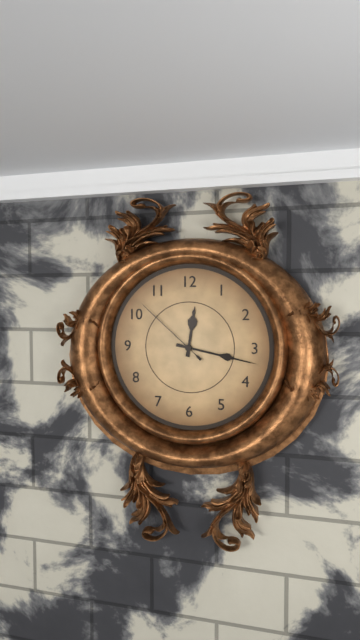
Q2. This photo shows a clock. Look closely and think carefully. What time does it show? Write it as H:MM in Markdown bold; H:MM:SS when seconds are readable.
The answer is **12:17:52**
